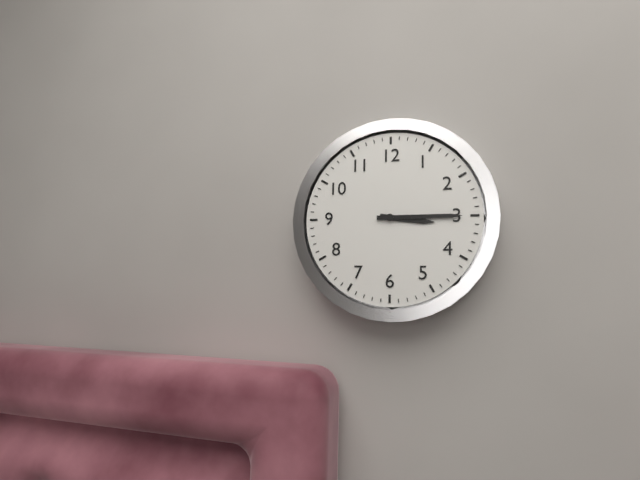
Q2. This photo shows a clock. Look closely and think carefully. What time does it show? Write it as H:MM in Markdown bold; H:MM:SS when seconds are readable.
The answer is **3:15**
